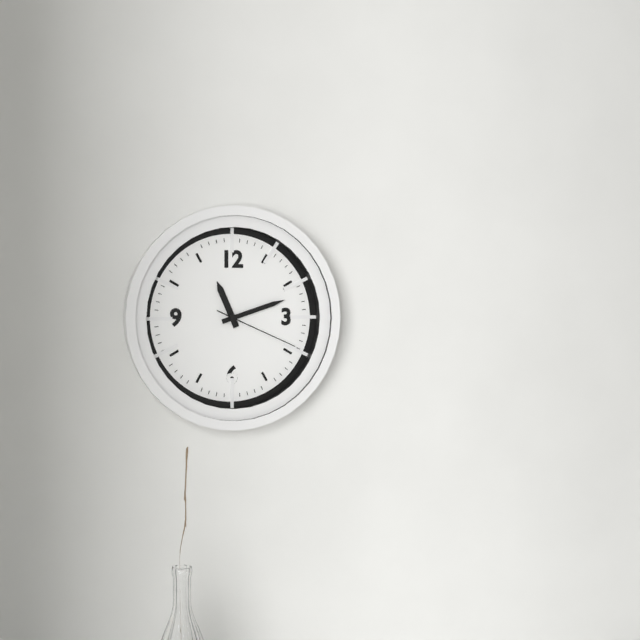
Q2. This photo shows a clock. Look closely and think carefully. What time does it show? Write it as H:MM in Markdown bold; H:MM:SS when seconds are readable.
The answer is **11:12:19**
